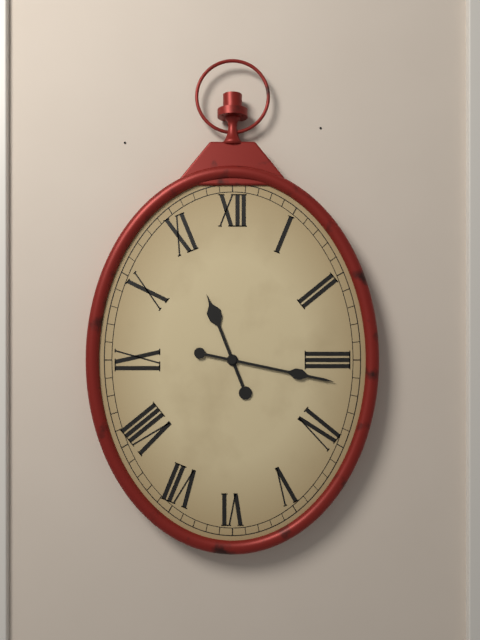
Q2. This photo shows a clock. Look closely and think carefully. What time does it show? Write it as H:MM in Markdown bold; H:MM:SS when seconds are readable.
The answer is **11:17**
